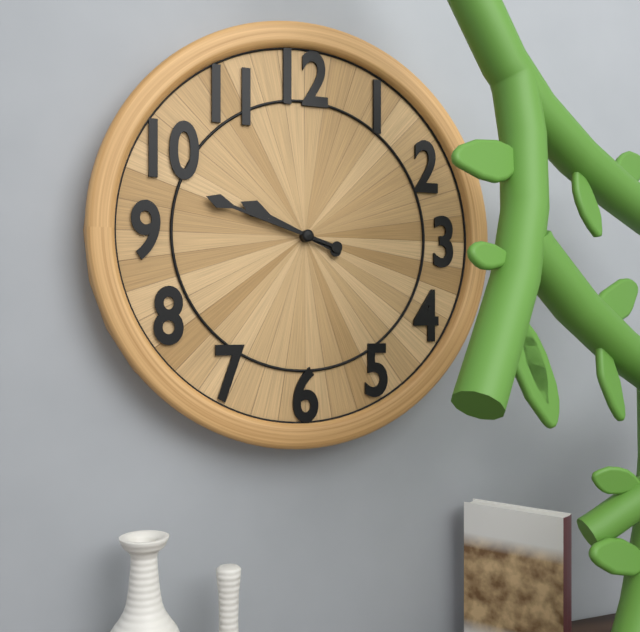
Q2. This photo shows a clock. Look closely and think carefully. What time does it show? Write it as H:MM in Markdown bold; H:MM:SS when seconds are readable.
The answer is **9:48**
